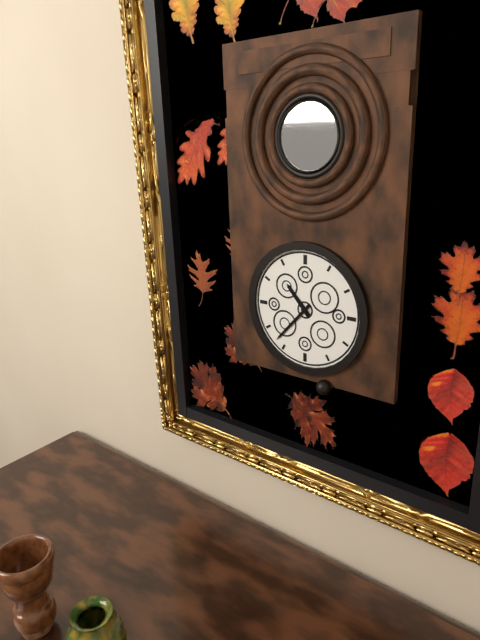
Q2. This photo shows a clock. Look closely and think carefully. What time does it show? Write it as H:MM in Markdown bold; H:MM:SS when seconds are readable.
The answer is **10:37**
